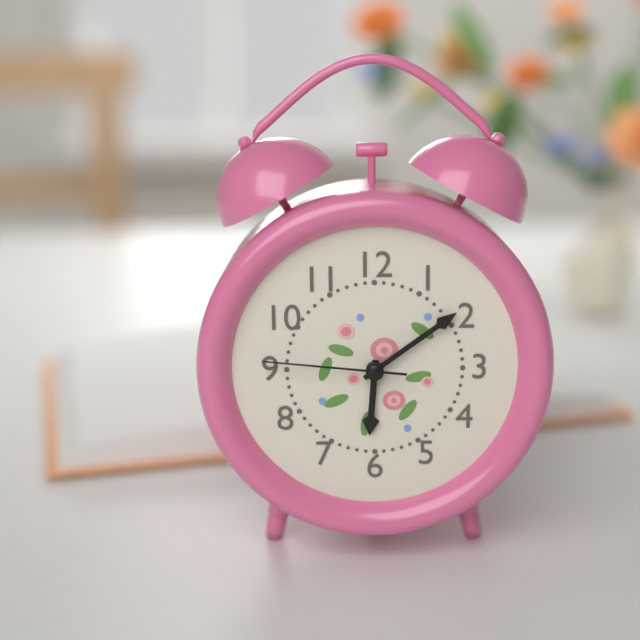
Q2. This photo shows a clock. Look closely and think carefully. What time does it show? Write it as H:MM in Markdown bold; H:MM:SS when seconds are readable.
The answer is **6:09:46**
